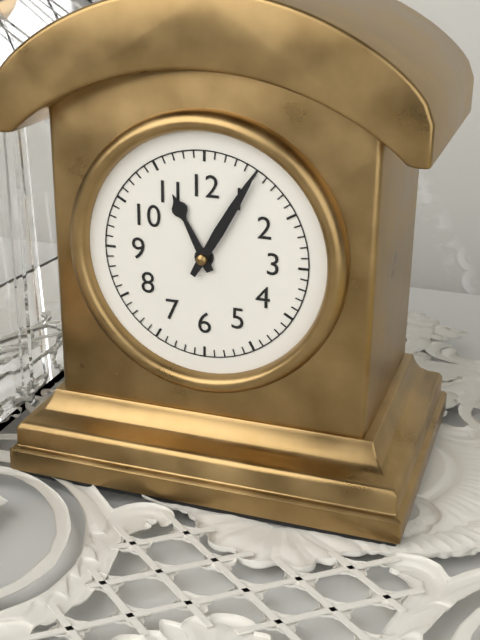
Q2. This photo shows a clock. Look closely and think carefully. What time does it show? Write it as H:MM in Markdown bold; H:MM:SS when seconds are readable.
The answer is **11:05**
